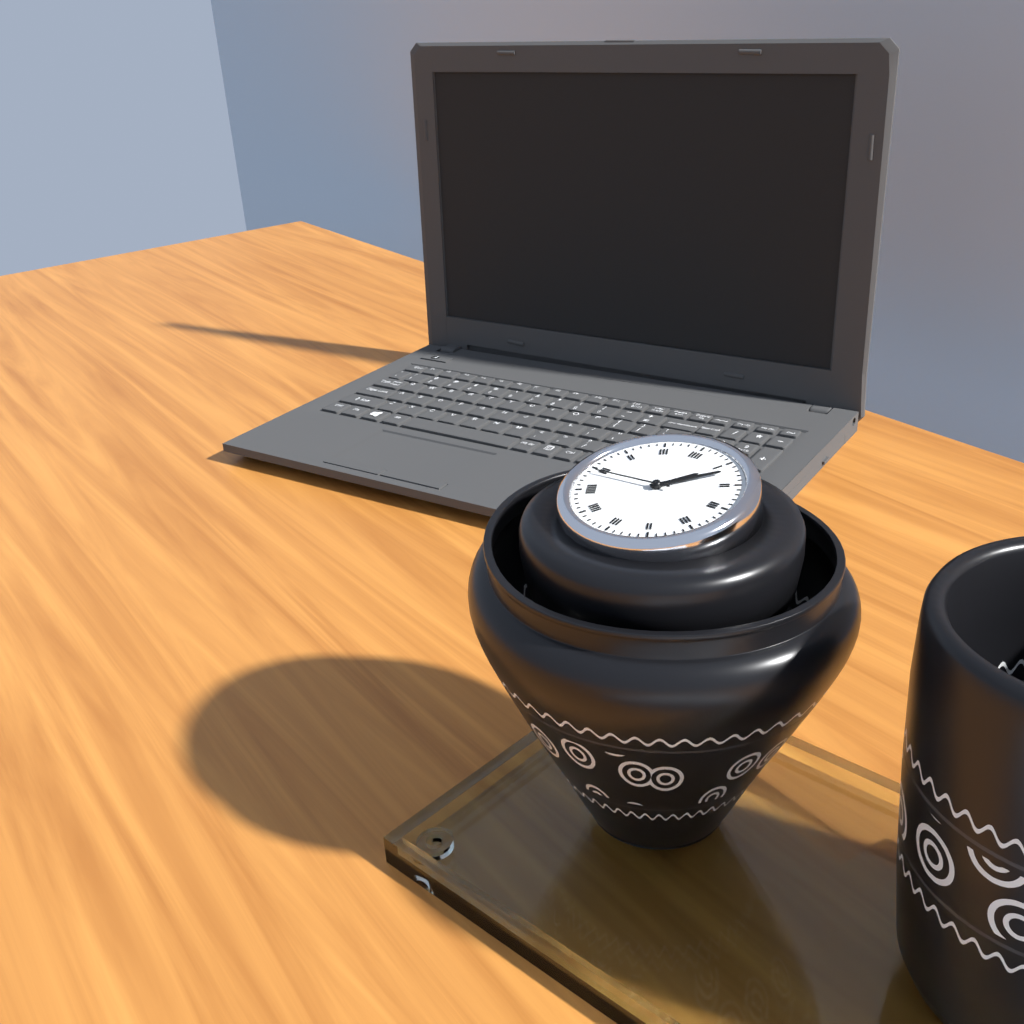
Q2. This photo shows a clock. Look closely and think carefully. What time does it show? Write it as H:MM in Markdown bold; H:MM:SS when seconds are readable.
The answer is **1:07:44**
